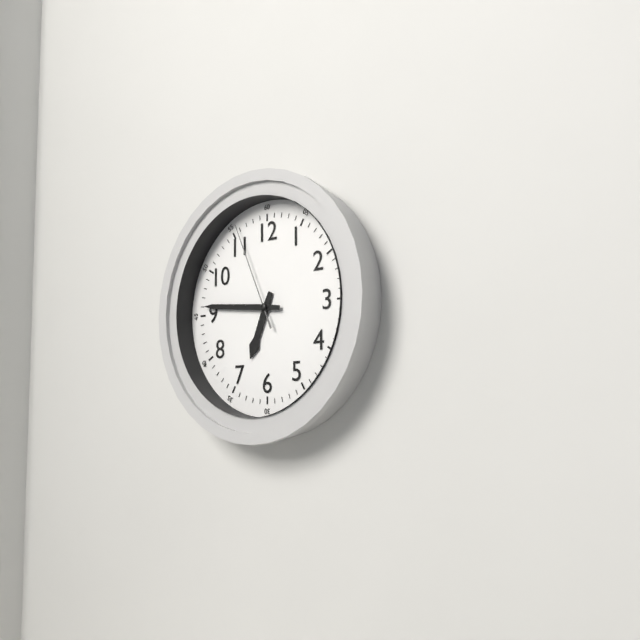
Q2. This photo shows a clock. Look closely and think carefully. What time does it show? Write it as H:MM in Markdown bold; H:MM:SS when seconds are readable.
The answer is **6:46:56**
